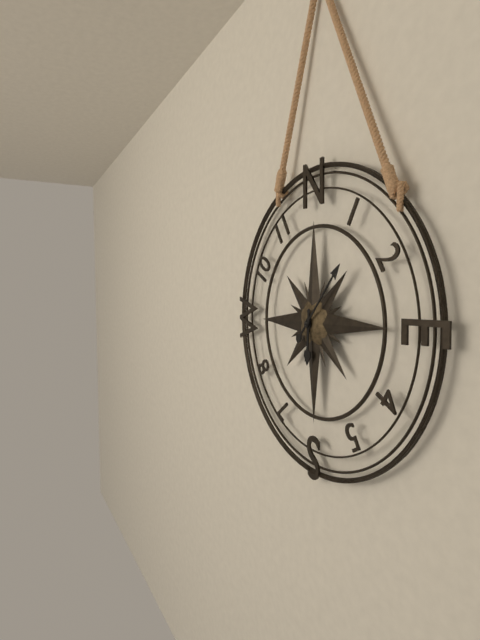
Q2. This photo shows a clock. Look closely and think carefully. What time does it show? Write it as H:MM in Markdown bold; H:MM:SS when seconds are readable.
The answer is **6:07**
